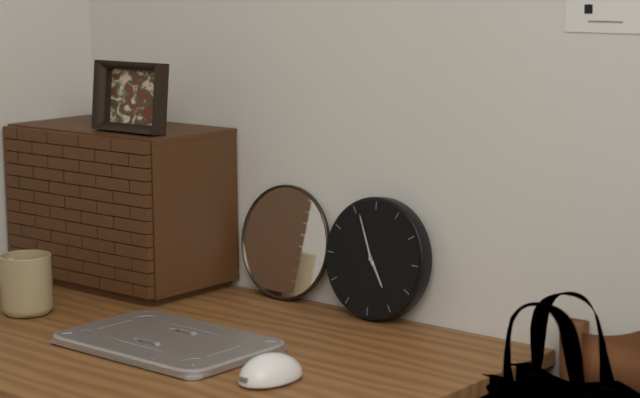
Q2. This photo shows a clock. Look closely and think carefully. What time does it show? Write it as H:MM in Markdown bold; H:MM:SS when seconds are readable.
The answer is **4:56**
